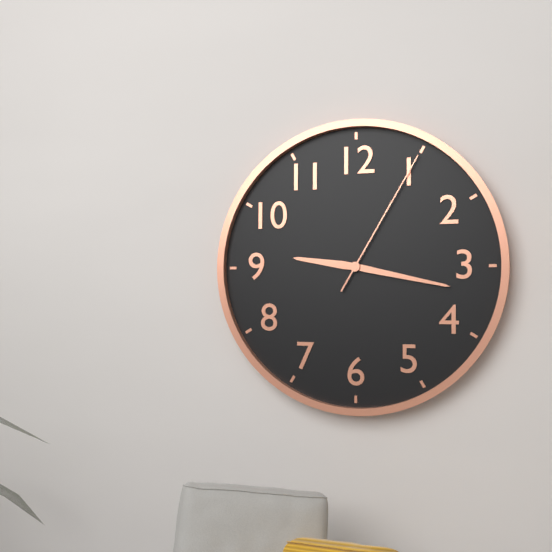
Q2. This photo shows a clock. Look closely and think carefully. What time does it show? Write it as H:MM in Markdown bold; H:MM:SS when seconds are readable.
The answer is **9:17:05**
